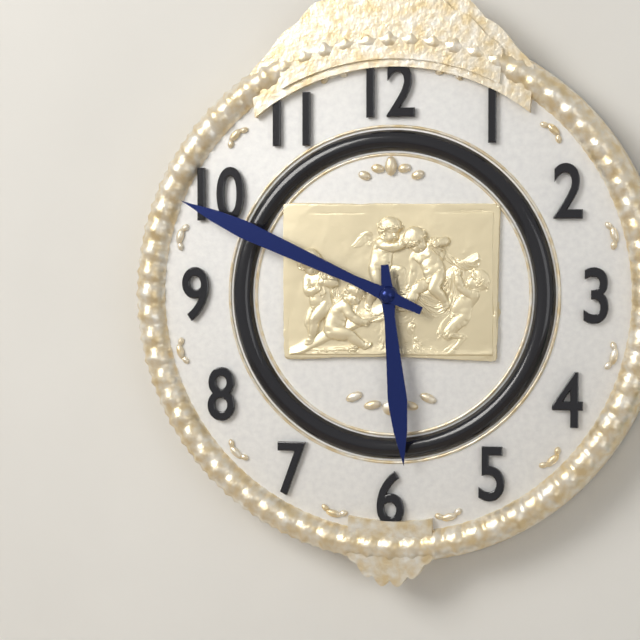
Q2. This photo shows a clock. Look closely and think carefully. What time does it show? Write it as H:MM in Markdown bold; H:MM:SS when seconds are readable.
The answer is **5:49**
